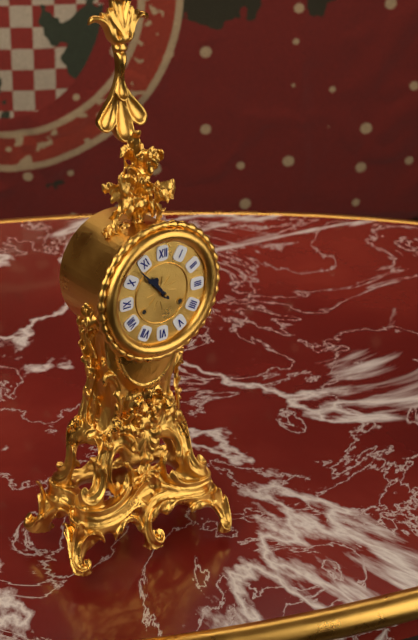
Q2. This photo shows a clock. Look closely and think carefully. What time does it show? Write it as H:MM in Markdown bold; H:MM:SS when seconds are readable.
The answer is **10:53**
